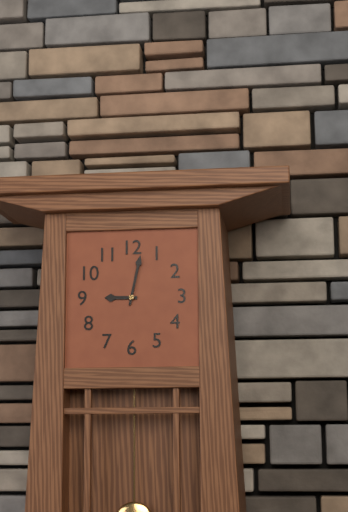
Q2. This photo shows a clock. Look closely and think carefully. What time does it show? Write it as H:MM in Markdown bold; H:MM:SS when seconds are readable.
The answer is **9:02**
